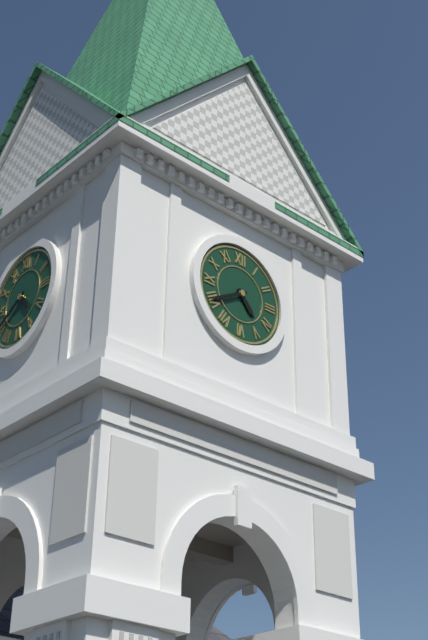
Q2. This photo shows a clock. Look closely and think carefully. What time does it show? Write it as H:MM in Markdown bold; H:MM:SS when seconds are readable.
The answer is **4:40**
